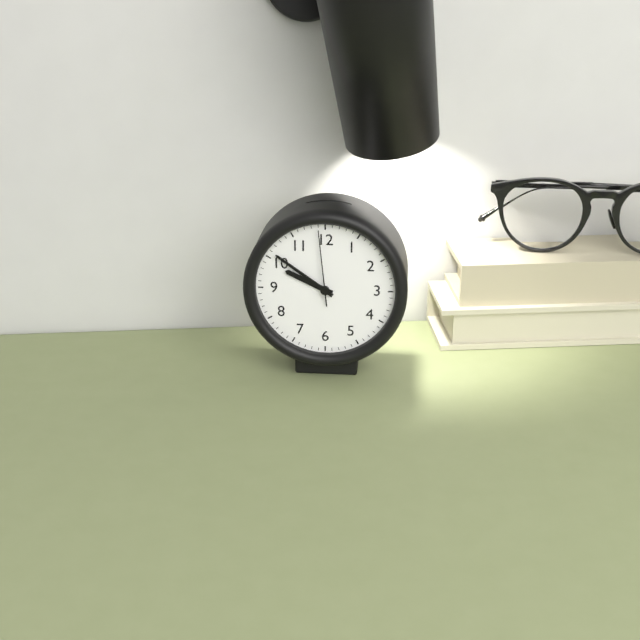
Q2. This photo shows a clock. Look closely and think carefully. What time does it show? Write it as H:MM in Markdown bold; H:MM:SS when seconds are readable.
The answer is **9:51:59**
